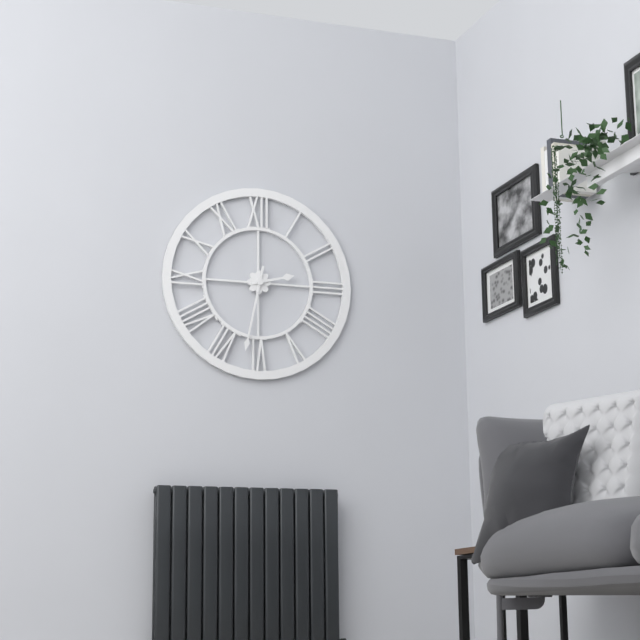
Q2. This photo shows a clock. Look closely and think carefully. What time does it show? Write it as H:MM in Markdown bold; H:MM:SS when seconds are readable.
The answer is **2:32**
